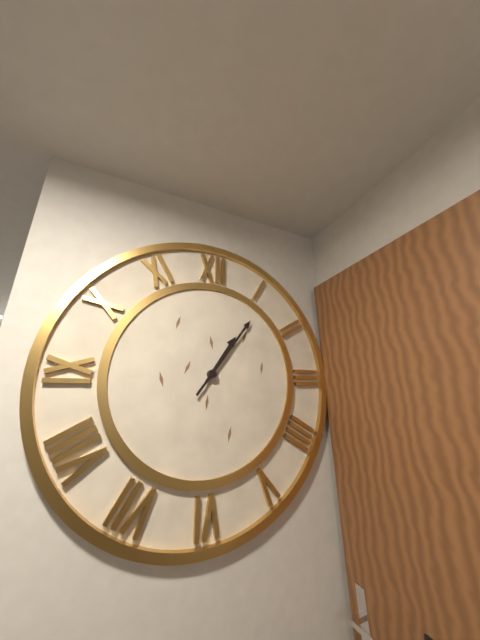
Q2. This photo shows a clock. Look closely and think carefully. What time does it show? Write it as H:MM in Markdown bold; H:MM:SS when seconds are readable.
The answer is **1:06**
